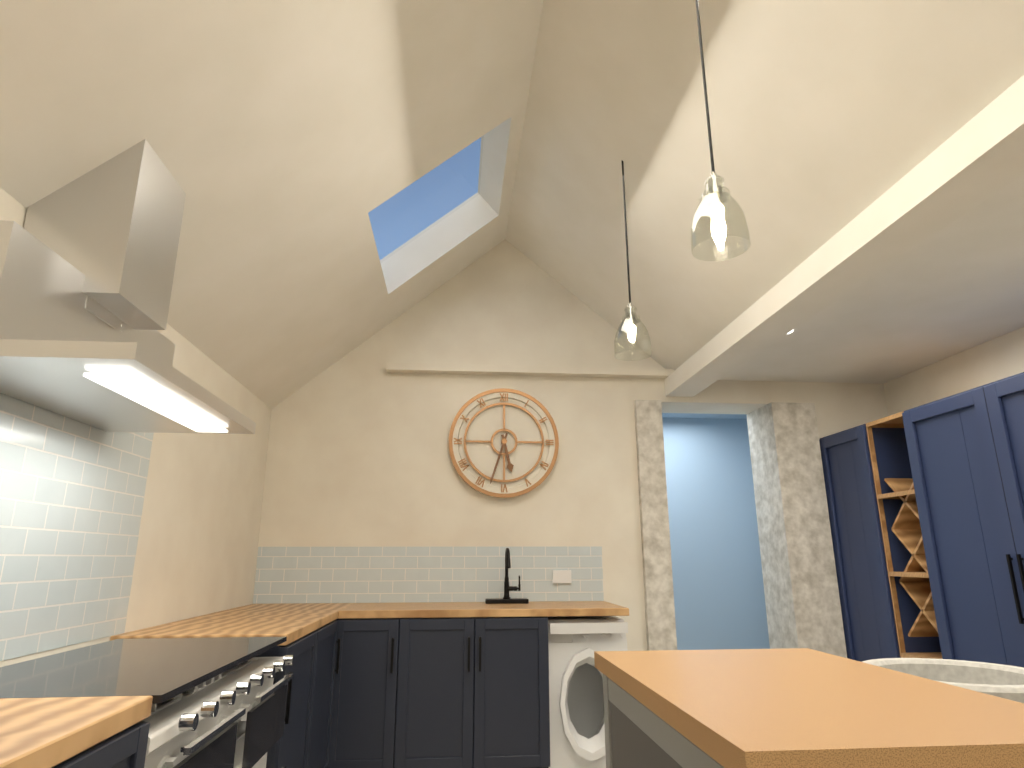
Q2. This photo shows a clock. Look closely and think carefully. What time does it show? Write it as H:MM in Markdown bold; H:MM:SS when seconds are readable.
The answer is **5:33**
